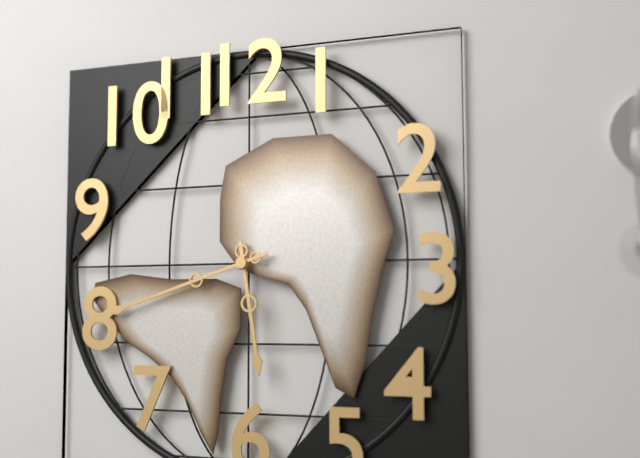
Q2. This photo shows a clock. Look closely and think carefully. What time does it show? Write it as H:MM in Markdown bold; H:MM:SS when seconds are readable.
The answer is **5:42**
